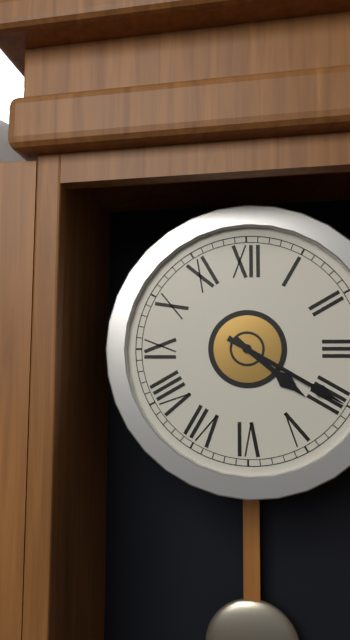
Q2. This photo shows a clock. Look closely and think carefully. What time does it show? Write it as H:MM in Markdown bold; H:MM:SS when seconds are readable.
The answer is **4:20**
